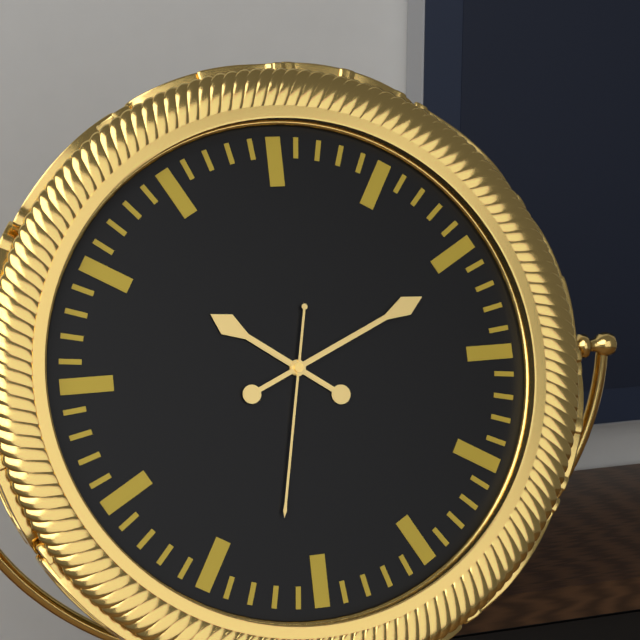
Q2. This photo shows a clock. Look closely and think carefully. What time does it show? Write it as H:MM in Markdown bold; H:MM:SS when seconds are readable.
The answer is **10:11:32**
